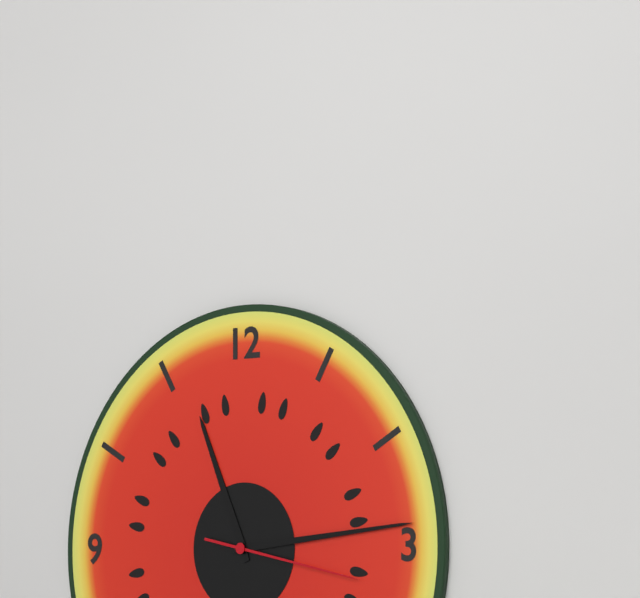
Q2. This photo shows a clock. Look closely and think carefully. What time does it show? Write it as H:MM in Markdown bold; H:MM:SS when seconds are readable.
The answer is **11:14:17**
